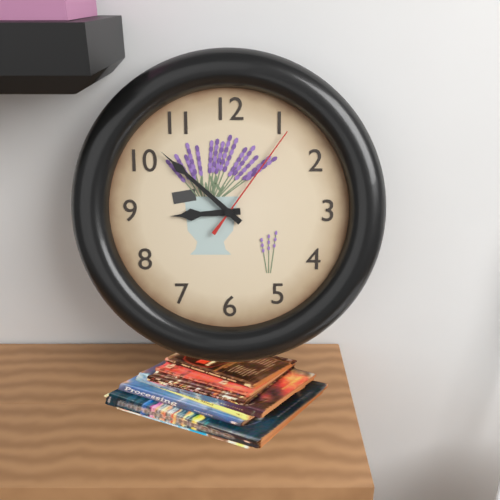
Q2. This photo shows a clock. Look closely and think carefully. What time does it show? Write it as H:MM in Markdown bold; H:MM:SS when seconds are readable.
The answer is **8:52:06**
